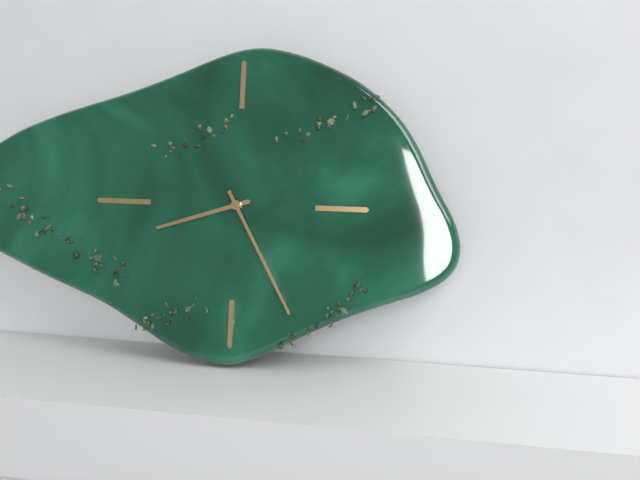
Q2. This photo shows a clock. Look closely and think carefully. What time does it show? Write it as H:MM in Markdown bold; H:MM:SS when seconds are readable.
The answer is **8:25**
